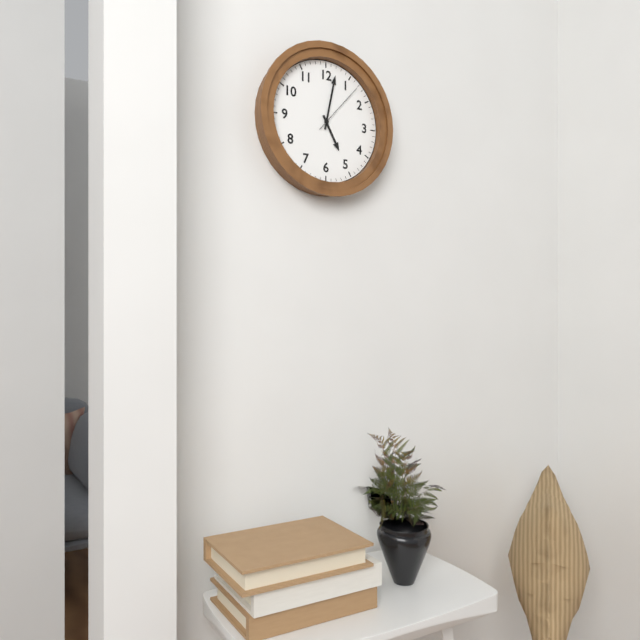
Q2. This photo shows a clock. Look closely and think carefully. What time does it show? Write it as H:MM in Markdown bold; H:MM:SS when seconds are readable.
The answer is **5:02:07**
